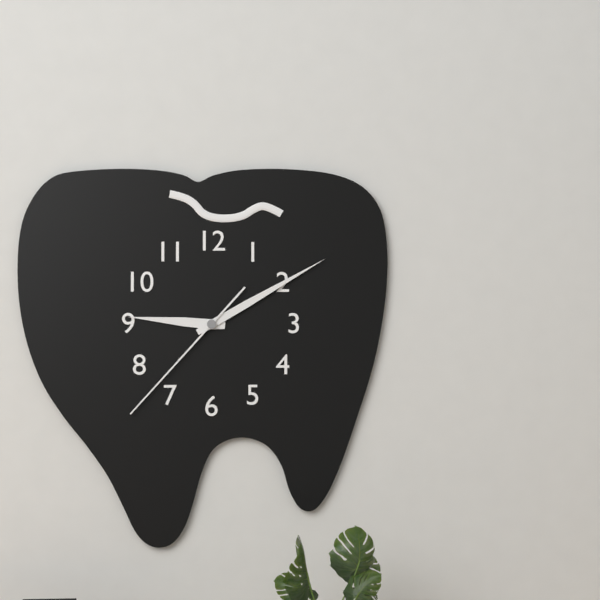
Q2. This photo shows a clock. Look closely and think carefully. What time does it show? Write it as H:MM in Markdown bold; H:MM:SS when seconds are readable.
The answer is **9:10:37**
